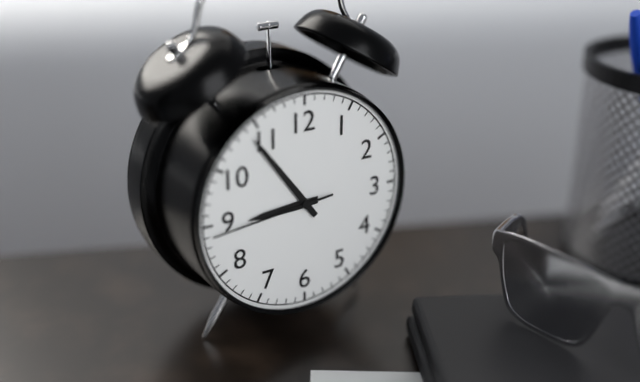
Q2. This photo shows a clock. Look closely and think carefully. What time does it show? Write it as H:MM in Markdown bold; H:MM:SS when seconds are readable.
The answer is **8:54:44**
